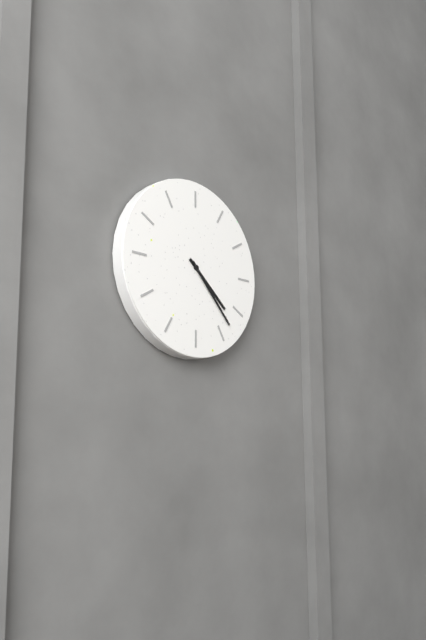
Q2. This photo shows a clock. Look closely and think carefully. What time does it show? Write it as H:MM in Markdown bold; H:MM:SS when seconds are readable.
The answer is **4:23**
